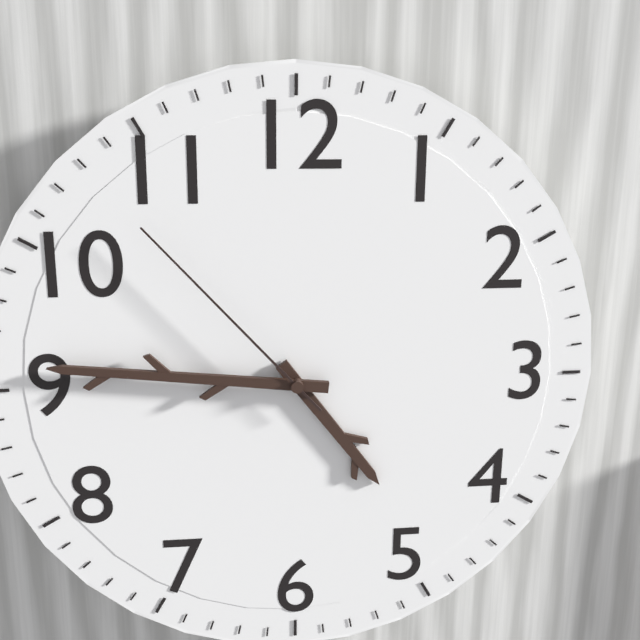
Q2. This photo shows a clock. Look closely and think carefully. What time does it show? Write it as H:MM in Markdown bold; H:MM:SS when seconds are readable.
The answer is **4:46:53**
